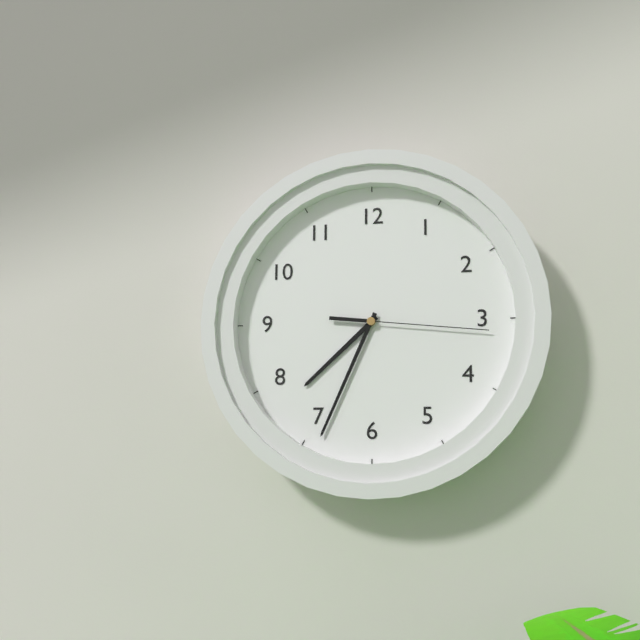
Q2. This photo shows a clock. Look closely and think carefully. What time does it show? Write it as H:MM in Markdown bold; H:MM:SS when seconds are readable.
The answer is **7:34:16**
